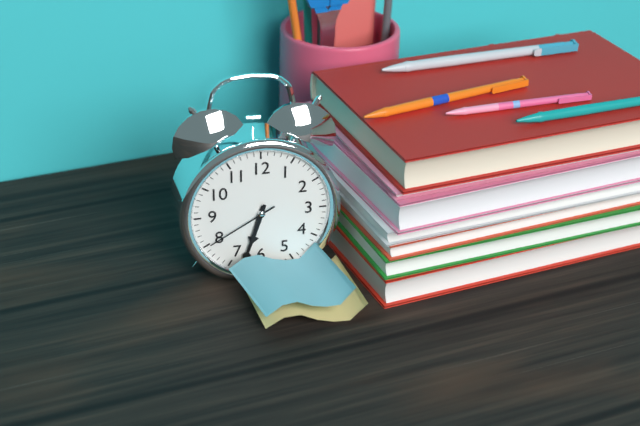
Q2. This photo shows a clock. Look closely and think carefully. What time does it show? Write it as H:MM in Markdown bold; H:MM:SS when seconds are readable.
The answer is **6:33:40**
